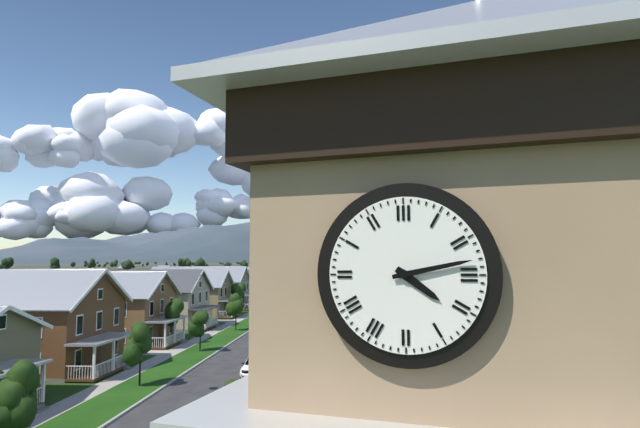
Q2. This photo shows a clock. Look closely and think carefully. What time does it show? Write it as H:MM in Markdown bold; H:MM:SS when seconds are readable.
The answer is **4:13**
